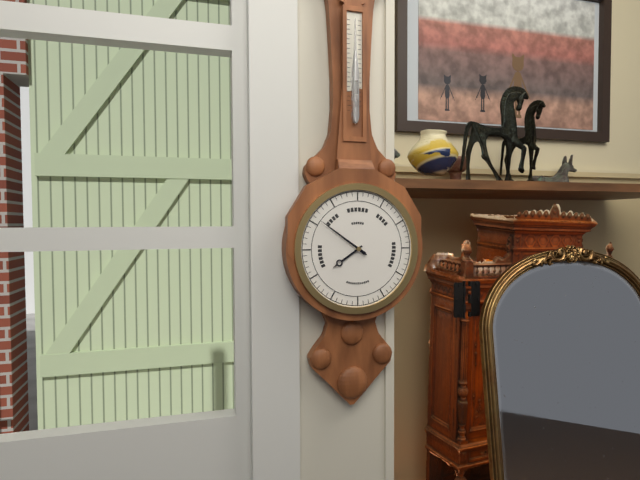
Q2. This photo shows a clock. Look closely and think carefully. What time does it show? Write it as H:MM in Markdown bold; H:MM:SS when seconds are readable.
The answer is **7:51**
